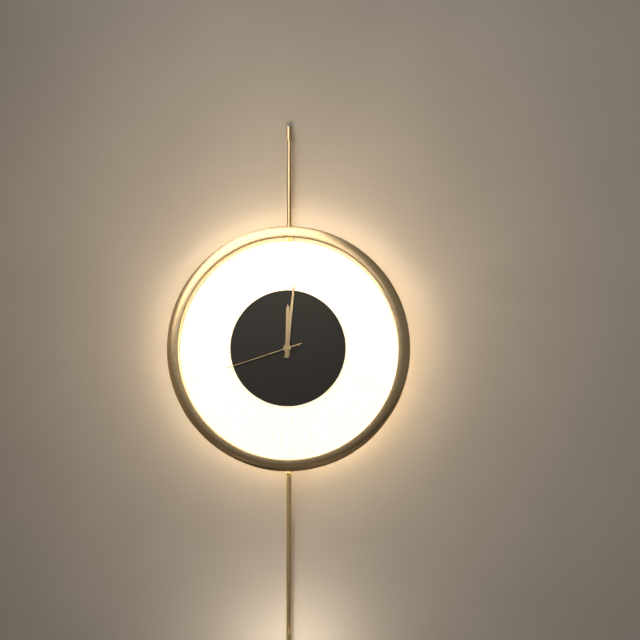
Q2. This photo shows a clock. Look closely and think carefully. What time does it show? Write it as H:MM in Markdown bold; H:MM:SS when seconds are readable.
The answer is **12:01:42**
